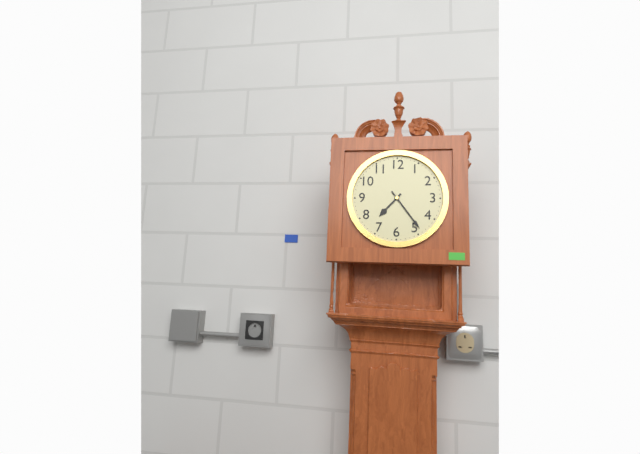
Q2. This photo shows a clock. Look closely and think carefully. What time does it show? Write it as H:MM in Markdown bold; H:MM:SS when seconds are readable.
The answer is **7:24**
